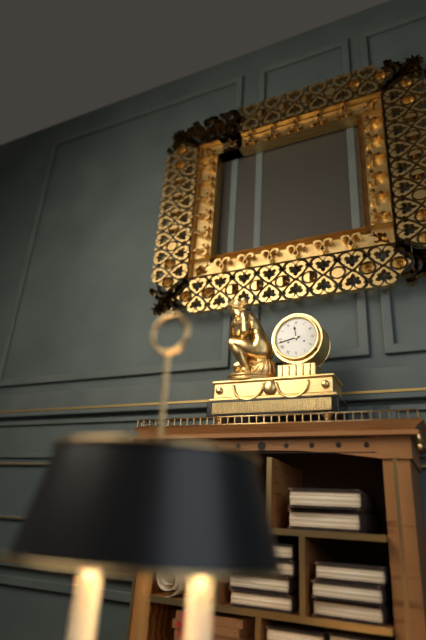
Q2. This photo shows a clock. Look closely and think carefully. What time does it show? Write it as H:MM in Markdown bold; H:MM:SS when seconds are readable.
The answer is **11:43**
